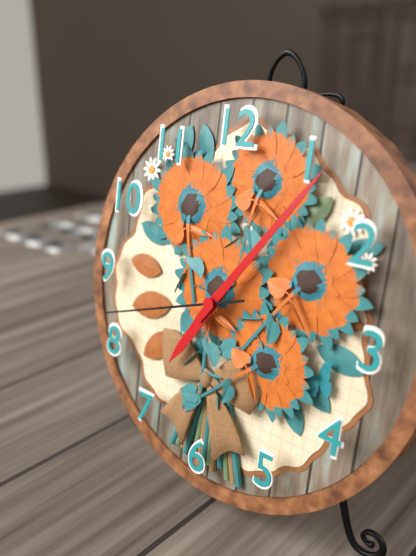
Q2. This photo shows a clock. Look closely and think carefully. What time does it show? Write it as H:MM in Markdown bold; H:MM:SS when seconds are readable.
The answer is **7:06:42**
